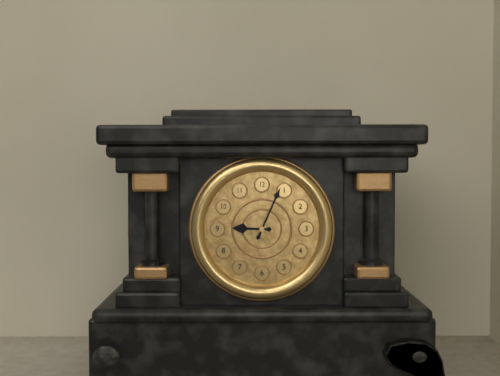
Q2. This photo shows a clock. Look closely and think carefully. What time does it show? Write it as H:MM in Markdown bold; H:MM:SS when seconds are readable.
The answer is **9:04**
